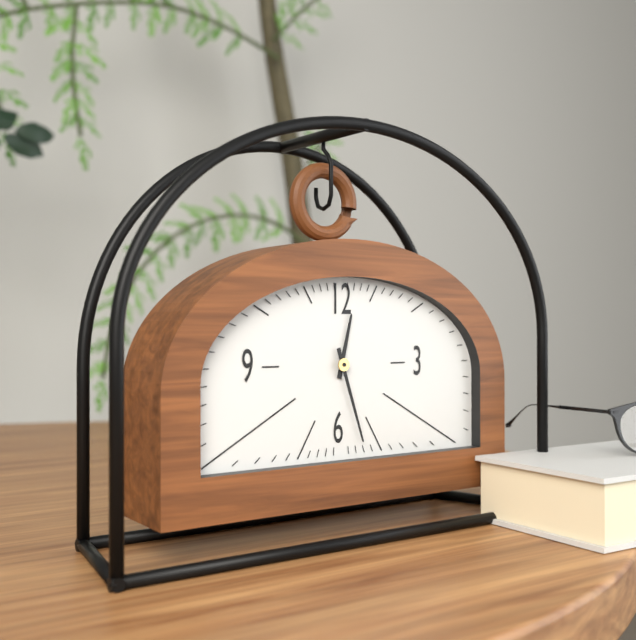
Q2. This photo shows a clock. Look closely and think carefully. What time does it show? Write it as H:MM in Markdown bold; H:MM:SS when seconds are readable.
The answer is **12:27**
